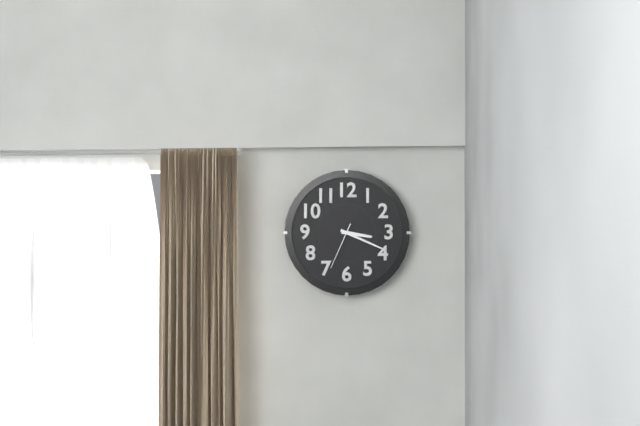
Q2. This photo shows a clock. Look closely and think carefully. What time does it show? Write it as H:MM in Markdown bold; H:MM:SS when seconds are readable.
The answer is **3:19**
